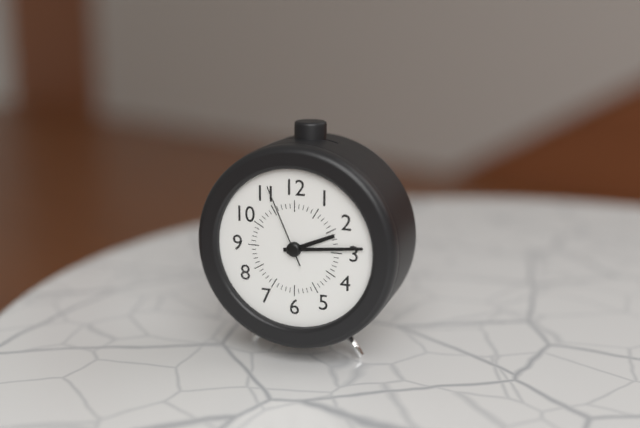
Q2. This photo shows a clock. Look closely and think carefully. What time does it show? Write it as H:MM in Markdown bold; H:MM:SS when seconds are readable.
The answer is **2:14:56**
